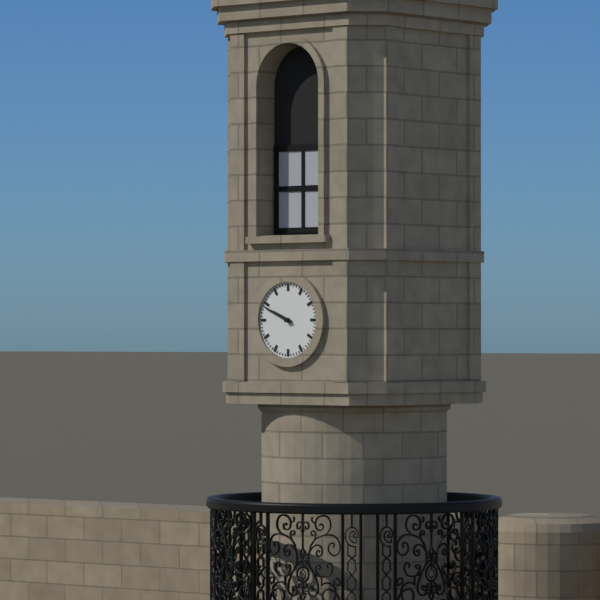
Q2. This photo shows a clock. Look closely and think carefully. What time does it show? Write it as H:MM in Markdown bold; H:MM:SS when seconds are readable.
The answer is **9:49**
